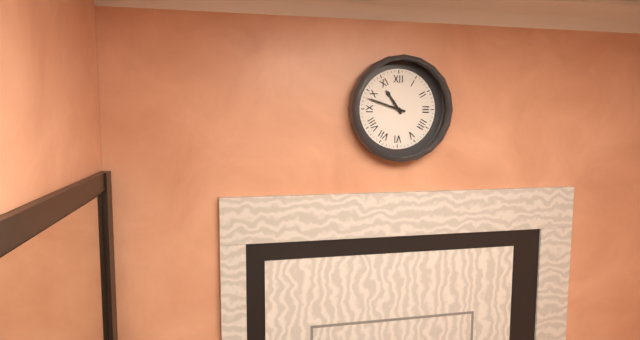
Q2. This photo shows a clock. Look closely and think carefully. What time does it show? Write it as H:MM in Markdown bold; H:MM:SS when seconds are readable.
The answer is **10:48**
